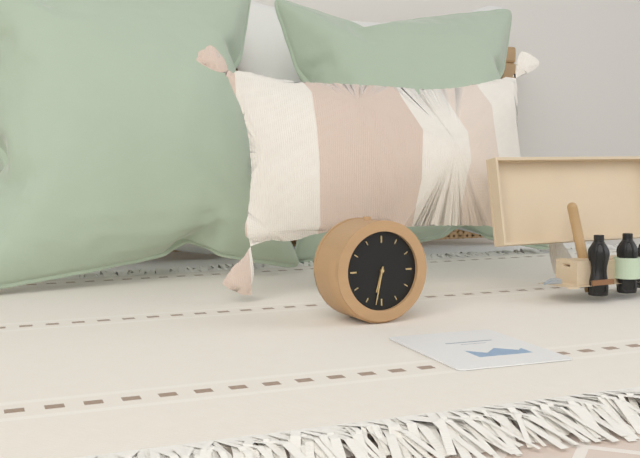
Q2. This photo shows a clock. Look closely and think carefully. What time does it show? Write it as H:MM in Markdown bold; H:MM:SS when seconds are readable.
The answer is **6:32**
